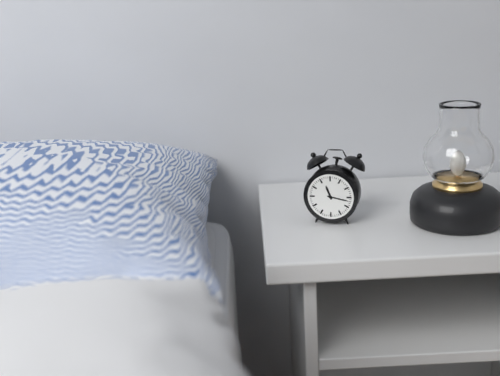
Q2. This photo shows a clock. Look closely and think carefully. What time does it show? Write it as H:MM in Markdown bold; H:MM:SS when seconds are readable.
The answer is **11:17**
